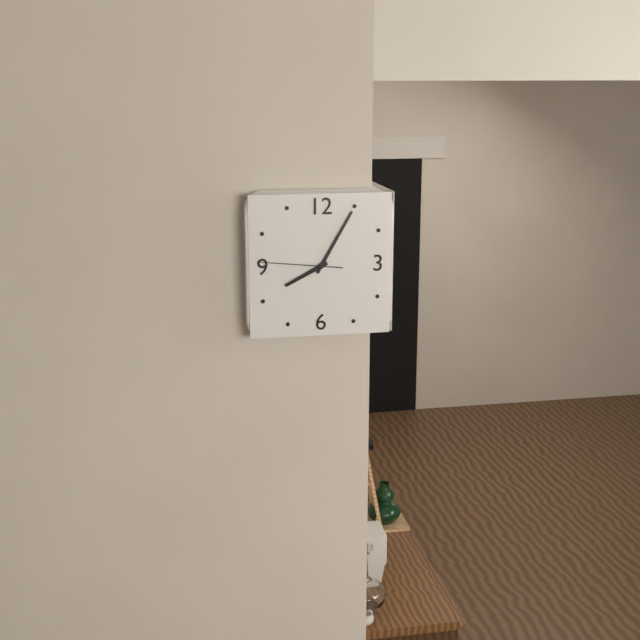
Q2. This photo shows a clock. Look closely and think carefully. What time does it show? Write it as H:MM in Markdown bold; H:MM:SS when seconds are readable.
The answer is **8:05:46**
